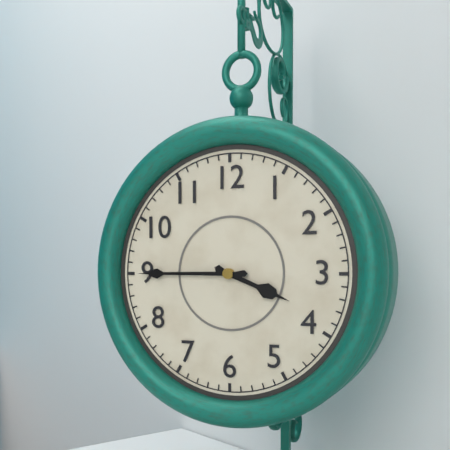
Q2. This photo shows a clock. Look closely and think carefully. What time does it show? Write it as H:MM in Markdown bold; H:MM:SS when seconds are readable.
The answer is **3:45**
